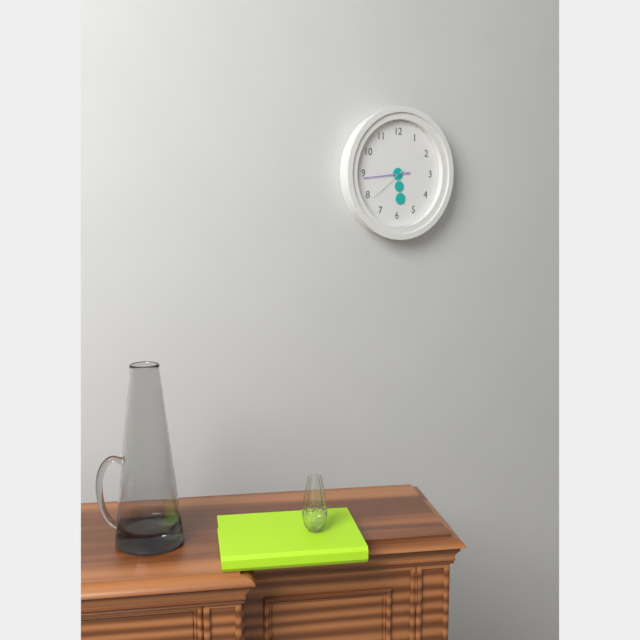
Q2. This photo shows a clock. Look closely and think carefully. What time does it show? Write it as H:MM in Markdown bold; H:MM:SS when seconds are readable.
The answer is **5:44**
